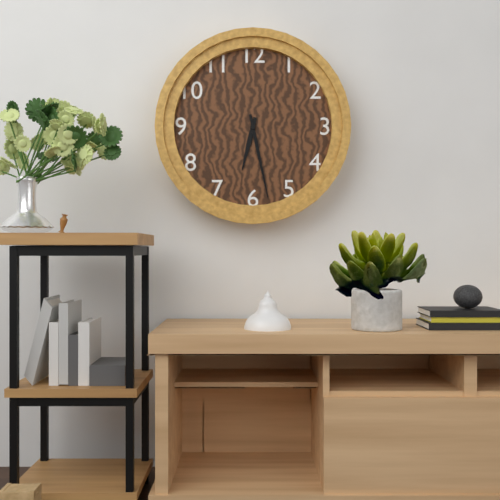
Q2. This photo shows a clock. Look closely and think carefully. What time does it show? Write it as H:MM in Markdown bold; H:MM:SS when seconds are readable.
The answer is **6:28**
